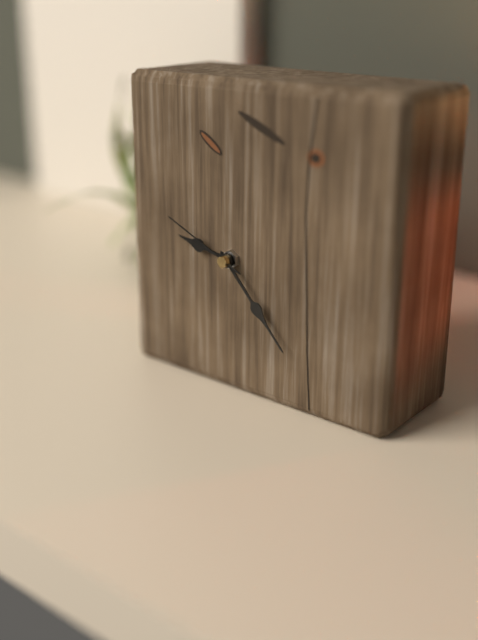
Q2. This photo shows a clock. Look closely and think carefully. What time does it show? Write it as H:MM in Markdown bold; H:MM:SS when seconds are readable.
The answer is **9:23:49**
